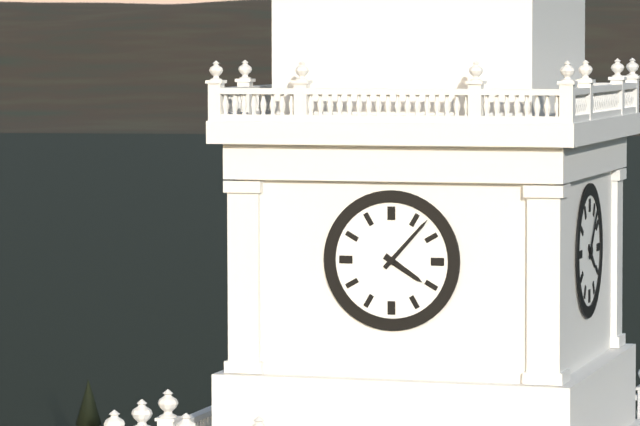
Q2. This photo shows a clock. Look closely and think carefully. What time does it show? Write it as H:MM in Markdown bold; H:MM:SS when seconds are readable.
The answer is **4:07**
